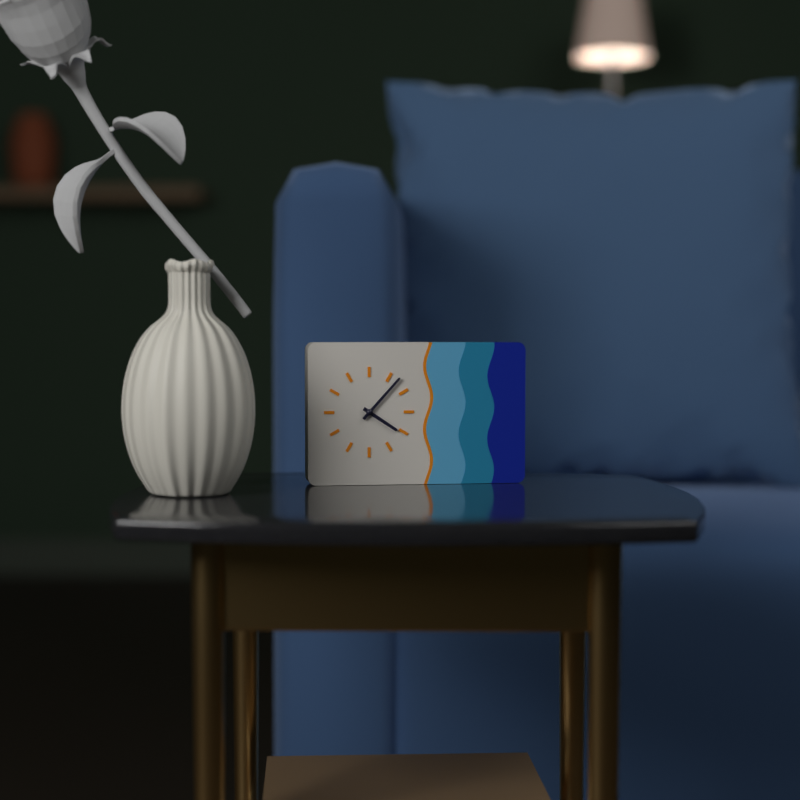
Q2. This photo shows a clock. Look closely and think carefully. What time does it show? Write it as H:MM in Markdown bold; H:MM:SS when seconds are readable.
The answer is **4:07**
